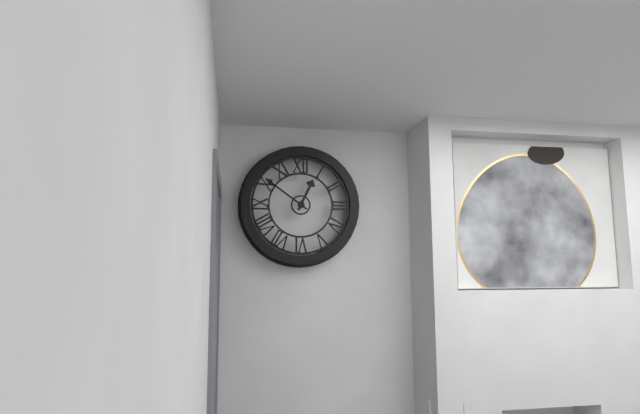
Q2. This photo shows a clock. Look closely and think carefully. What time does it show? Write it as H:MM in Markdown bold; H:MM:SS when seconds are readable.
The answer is **12:51**
